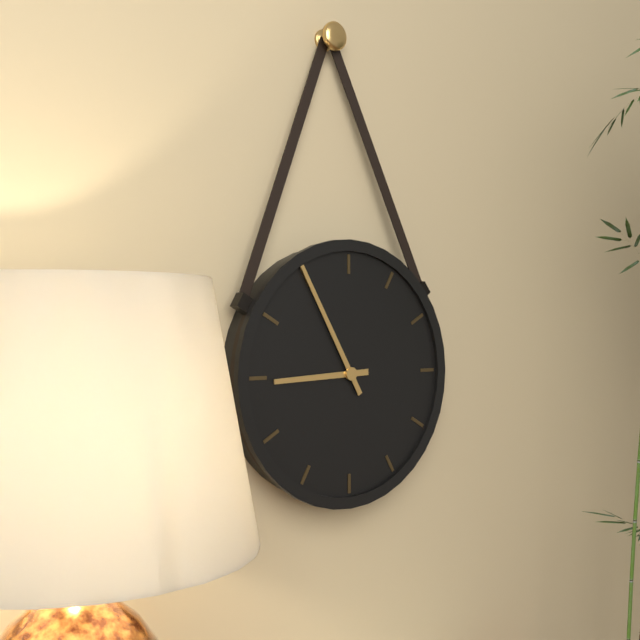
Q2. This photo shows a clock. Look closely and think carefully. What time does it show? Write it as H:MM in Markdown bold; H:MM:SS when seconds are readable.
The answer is **8:55**
